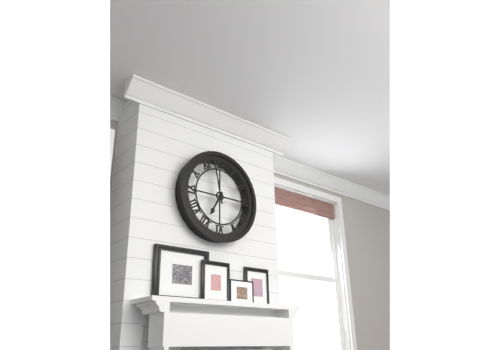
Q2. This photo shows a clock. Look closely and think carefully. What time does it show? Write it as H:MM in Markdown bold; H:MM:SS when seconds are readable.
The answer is **6:58**
